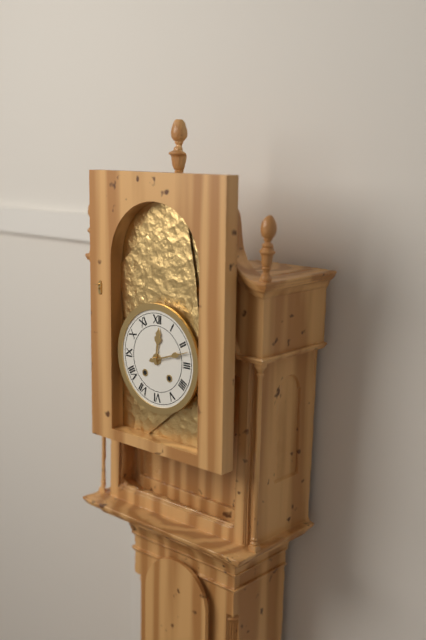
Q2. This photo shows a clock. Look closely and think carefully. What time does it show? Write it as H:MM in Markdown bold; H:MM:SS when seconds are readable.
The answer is **12:12**
